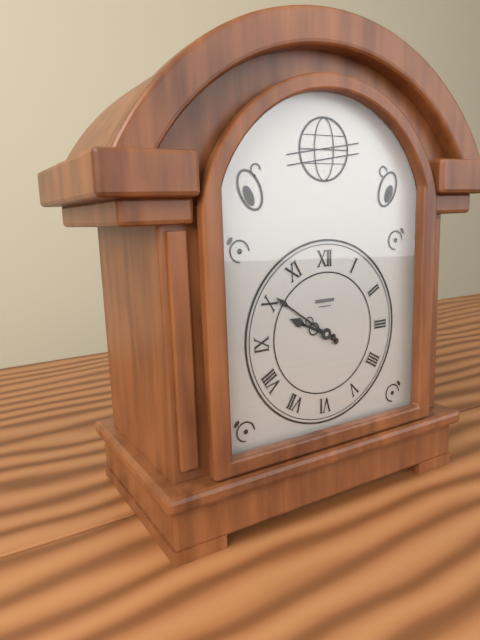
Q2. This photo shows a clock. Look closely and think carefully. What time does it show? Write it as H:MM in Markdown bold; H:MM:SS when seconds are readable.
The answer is **9:51**
